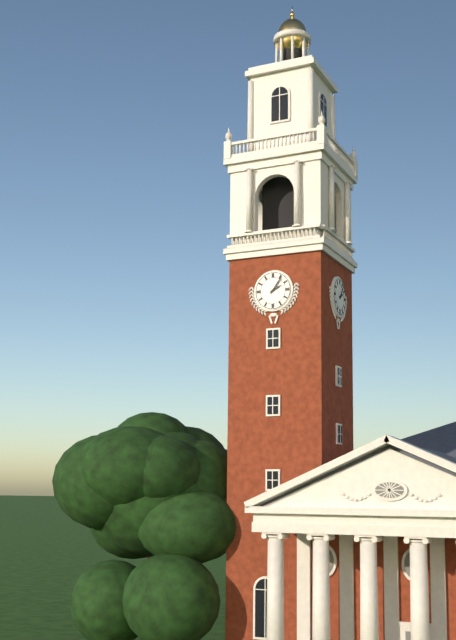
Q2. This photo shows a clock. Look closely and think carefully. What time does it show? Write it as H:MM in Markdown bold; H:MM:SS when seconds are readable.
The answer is **2:06**
